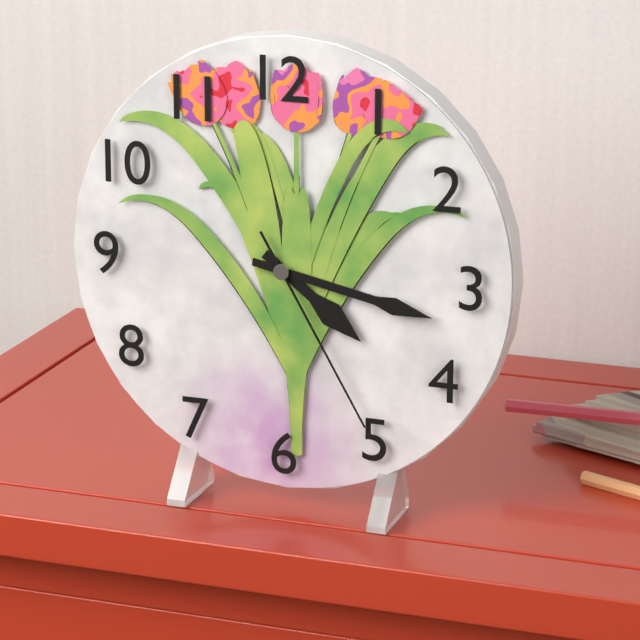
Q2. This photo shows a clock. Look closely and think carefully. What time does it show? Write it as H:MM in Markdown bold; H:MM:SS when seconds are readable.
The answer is **4:17:25**
